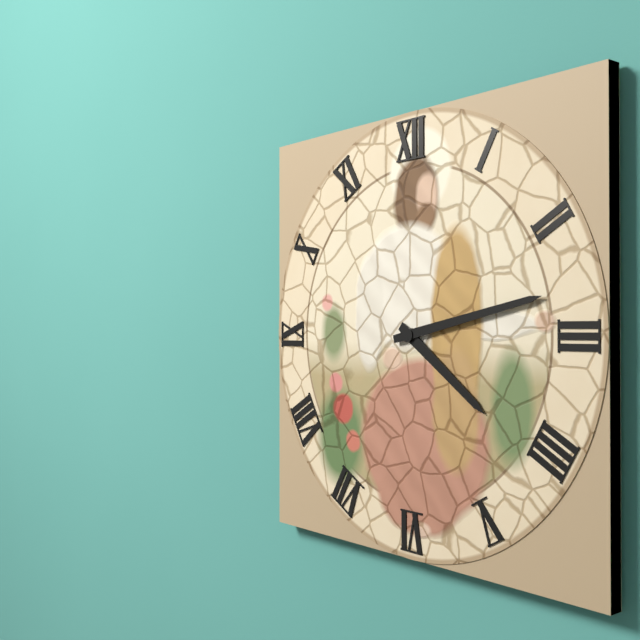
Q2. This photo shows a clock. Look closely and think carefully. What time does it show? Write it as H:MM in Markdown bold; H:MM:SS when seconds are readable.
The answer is **4:13**
